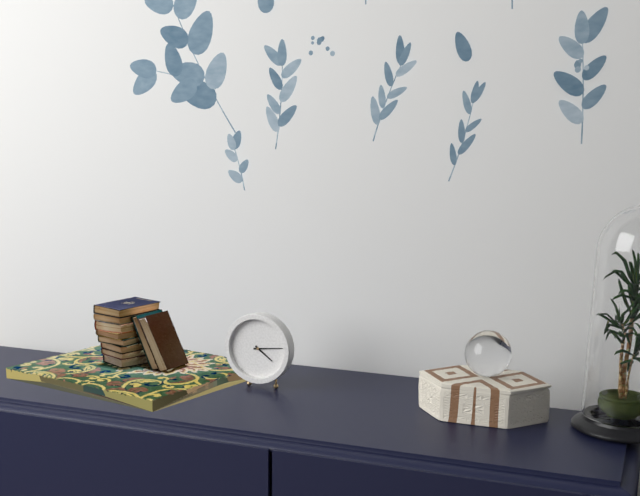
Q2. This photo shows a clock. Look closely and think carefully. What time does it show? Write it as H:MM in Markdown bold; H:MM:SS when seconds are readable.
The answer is **4:14**
